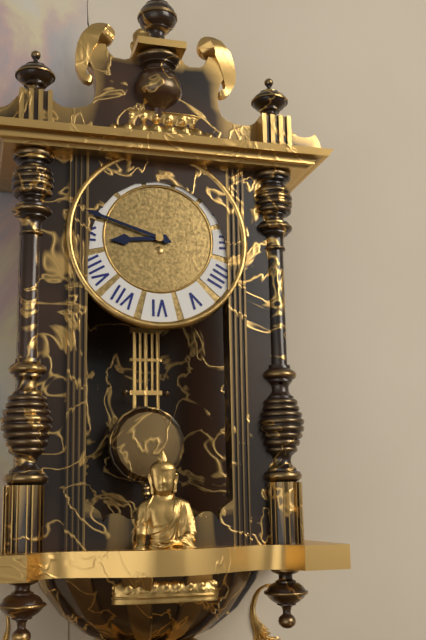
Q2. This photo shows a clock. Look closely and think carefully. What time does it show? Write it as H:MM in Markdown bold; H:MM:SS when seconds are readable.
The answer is **8:48**
